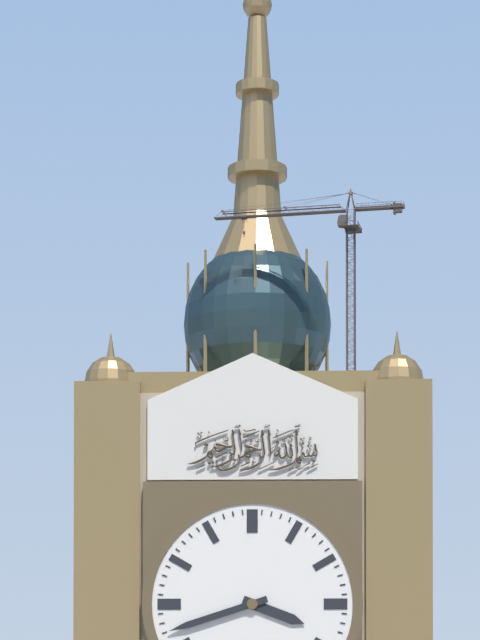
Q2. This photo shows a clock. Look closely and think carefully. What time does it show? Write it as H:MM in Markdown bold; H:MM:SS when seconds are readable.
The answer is **3:42**
